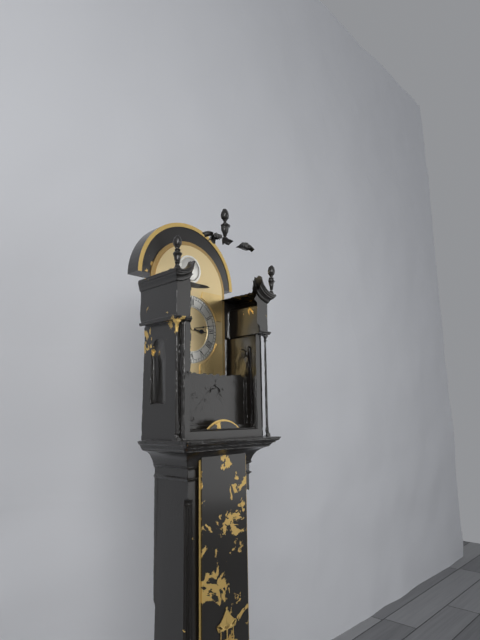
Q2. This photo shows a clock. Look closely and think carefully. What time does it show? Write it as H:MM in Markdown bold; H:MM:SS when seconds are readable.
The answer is **3:13**
